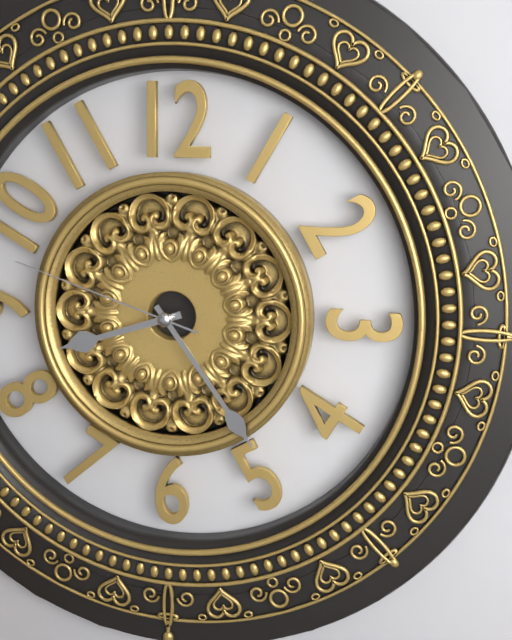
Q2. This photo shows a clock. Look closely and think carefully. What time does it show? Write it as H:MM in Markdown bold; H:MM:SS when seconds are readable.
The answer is **8:24:48**
